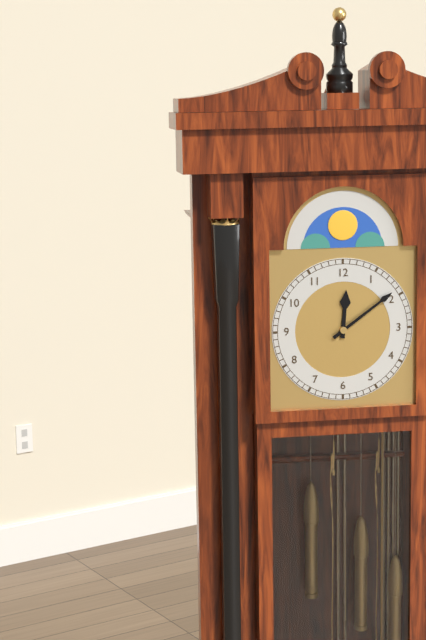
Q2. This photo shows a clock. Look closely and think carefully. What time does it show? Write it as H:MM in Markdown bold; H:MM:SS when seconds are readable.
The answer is **12:09**
